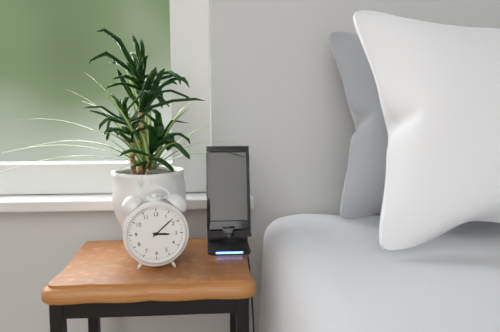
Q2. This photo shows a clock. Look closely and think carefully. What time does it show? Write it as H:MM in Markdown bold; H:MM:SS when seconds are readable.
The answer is **3:08**
